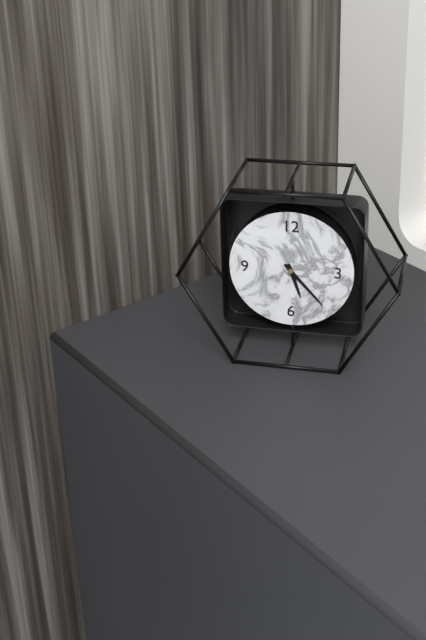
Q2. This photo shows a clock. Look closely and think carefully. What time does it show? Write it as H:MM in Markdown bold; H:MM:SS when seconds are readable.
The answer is **5:23**
